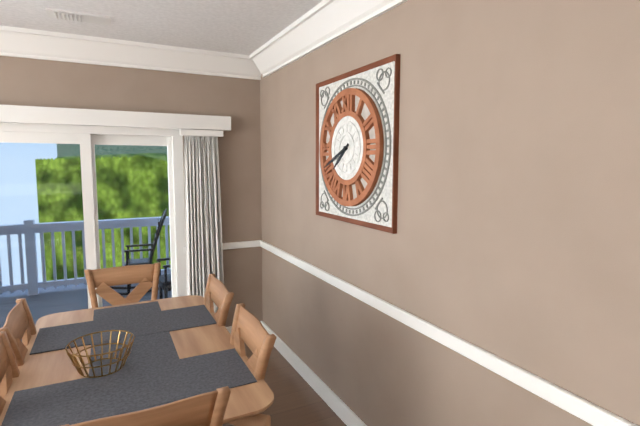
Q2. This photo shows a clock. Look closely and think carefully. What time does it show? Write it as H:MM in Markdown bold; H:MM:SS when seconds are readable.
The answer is **7:41**
